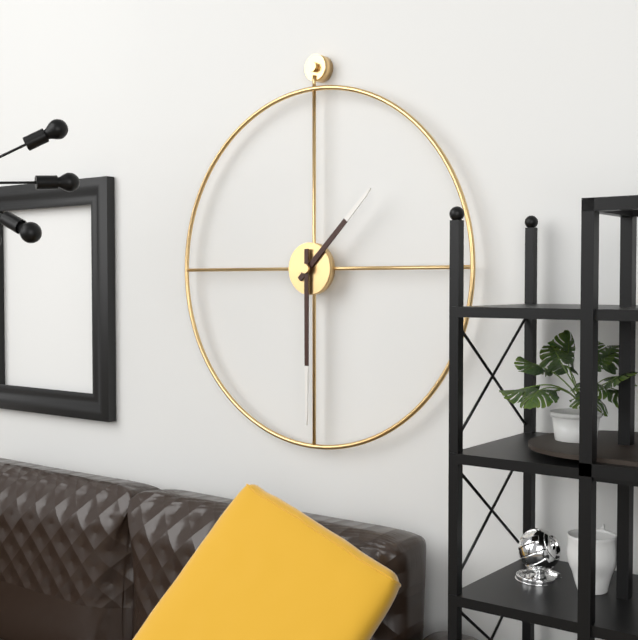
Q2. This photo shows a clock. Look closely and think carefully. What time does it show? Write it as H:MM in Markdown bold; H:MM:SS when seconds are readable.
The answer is **1:30**
